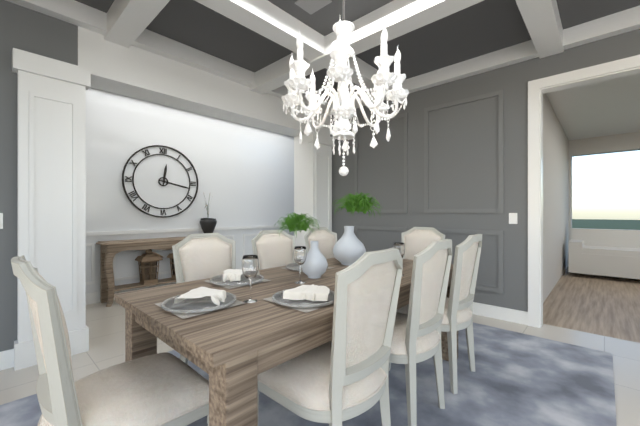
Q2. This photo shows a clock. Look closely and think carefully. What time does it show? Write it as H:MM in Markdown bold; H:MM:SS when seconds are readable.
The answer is **12:17**
